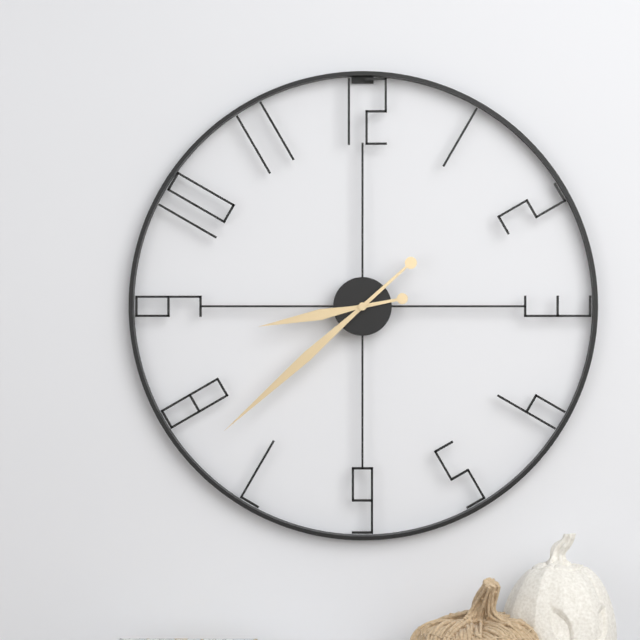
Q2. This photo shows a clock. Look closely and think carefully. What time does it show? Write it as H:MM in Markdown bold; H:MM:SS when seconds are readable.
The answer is **8:38**
